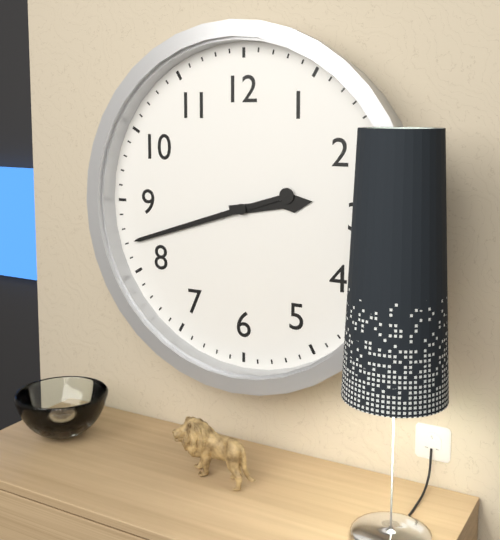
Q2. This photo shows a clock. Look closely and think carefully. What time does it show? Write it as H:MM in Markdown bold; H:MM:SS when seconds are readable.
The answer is **2:42**
